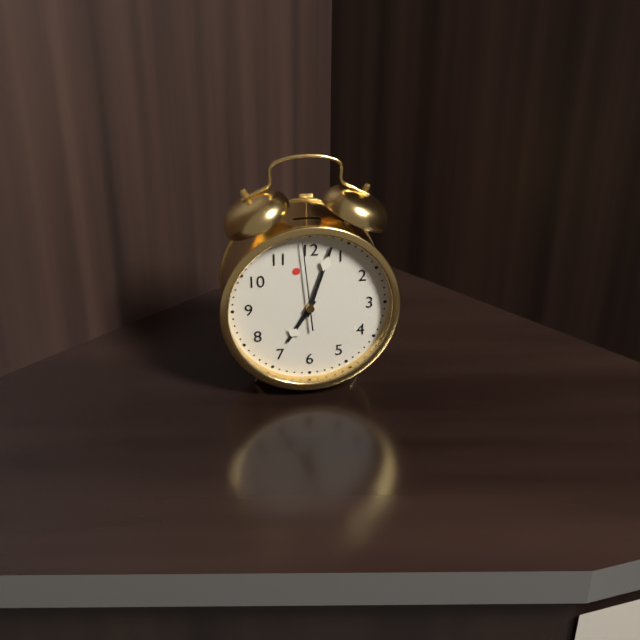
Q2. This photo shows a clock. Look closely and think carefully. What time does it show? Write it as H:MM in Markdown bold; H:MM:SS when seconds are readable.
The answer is **7:03:59**
